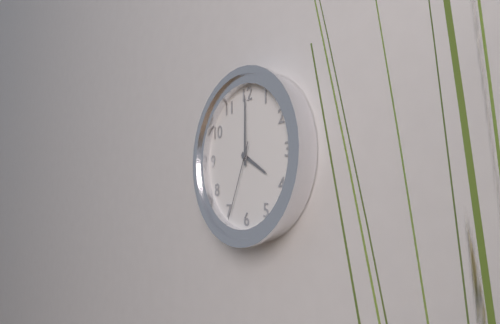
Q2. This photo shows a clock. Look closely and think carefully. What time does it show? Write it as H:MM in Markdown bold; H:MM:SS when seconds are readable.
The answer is **4:00:34**
